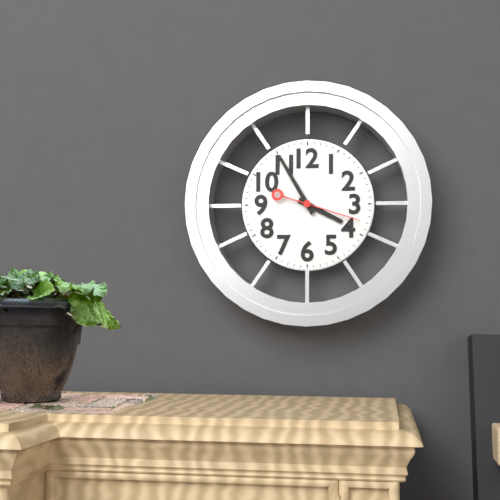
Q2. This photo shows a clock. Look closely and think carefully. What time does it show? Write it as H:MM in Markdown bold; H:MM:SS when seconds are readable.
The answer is **3:55:18**
